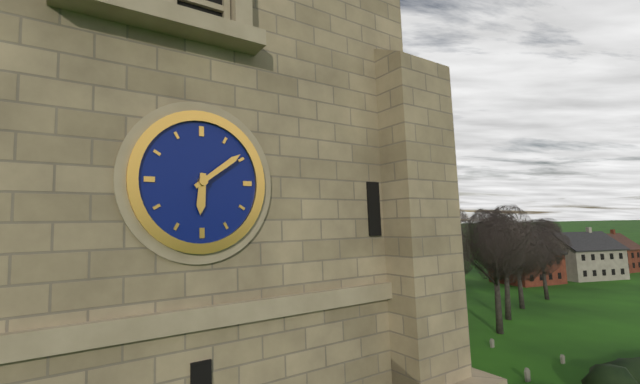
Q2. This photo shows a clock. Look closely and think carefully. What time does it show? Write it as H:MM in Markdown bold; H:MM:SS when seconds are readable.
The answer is **6:09**
